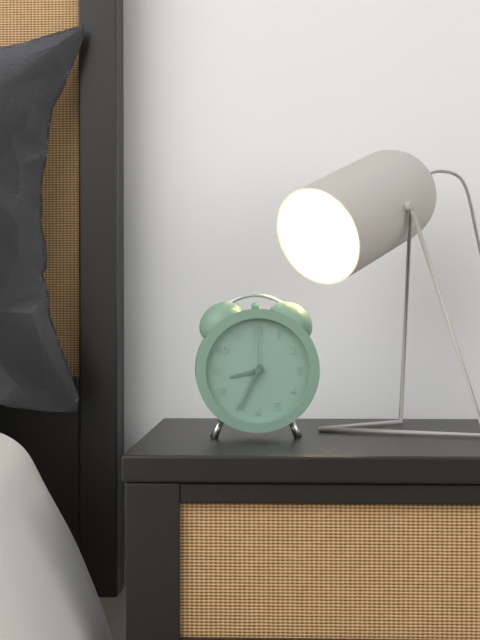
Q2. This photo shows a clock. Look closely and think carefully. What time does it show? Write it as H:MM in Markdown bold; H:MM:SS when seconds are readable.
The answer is **8:34:00**
